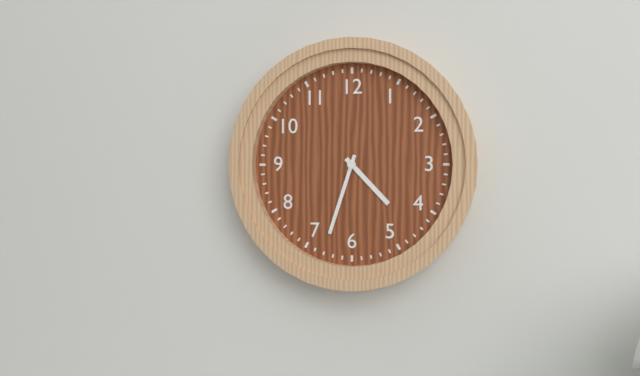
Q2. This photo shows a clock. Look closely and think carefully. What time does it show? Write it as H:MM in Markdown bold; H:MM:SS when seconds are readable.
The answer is **4:33**
